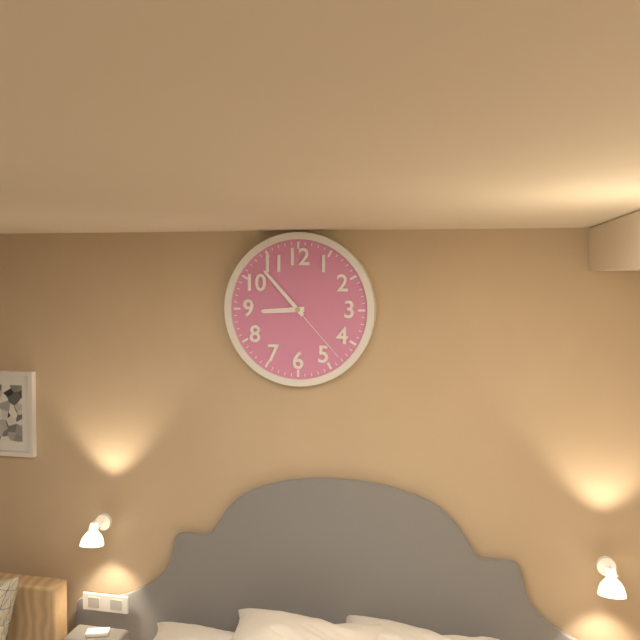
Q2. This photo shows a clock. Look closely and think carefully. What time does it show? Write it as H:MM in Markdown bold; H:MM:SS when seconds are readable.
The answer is **8:53:23**
